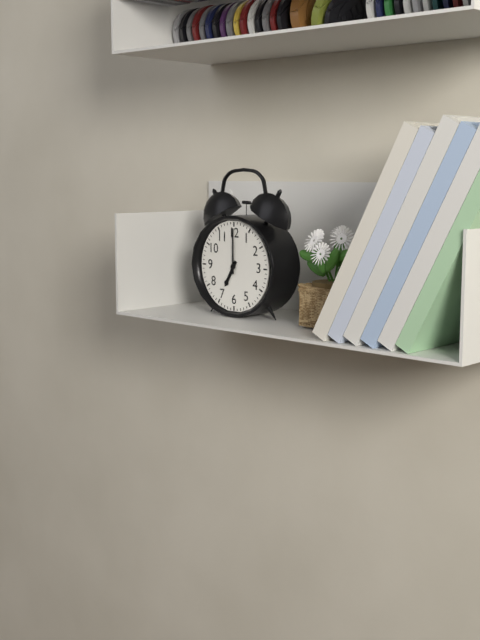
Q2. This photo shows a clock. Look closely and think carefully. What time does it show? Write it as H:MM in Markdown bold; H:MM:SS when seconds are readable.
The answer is **7:00**
